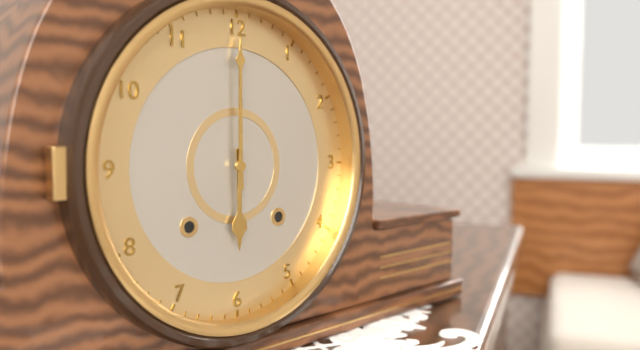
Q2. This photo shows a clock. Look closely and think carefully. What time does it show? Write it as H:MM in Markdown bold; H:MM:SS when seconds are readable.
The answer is **6:00**
